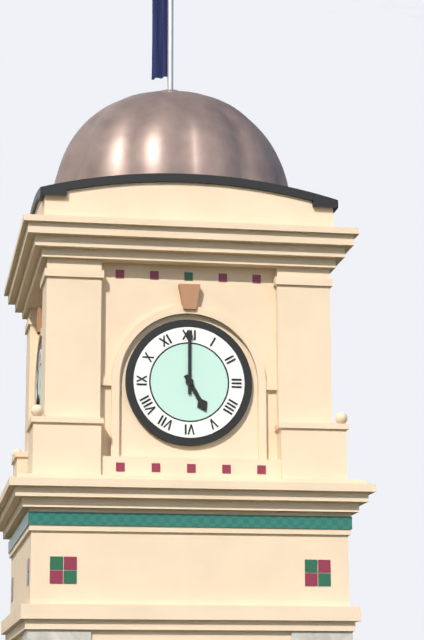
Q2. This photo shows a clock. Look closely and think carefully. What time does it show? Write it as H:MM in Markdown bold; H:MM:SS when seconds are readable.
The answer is **5:00**
